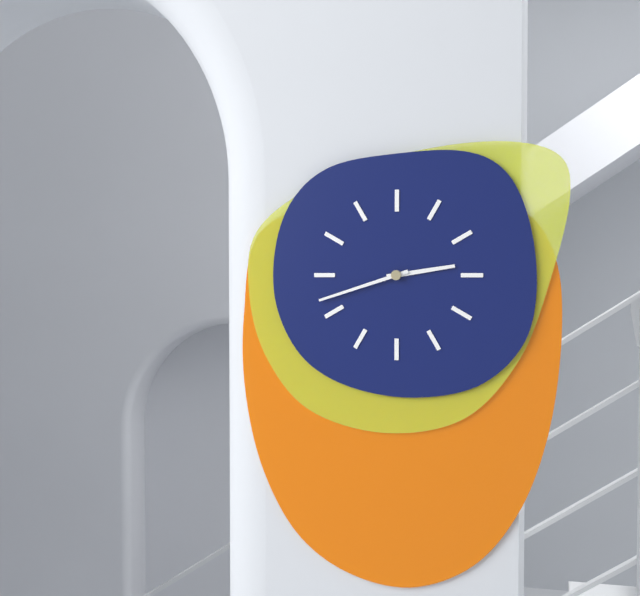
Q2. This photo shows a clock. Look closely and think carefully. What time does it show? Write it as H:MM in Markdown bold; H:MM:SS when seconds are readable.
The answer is **2:42**
